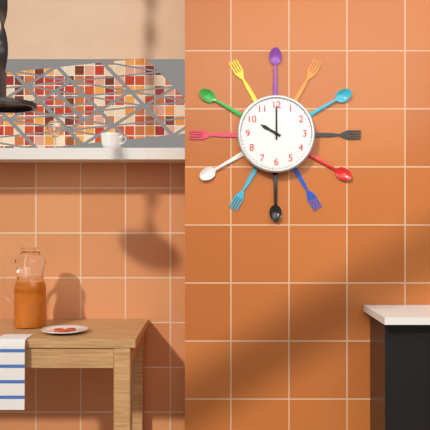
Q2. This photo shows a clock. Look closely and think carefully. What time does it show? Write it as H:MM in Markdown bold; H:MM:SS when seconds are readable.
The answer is **10:00**
